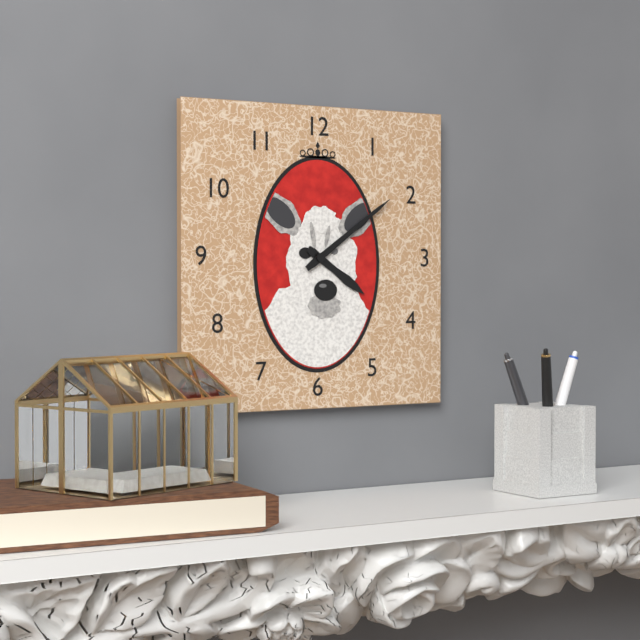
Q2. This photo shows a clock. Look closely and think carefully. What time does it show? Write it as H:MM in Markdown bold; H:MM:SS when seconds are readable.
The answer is **4:09**
